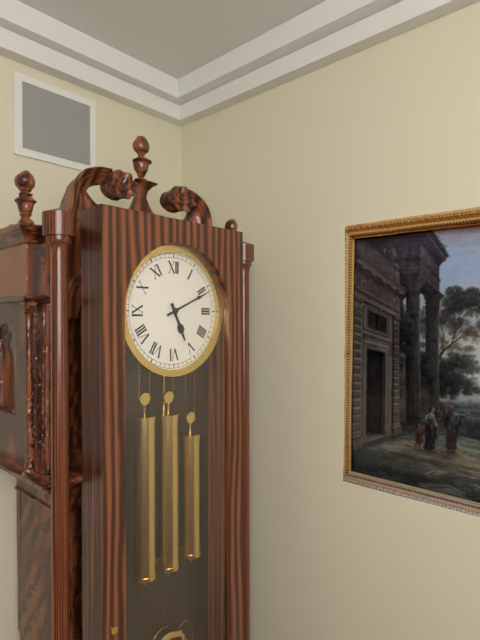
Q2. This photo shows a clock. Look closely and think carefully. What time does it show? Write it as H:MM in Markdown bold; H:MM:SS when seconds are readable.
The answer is **5:11**
